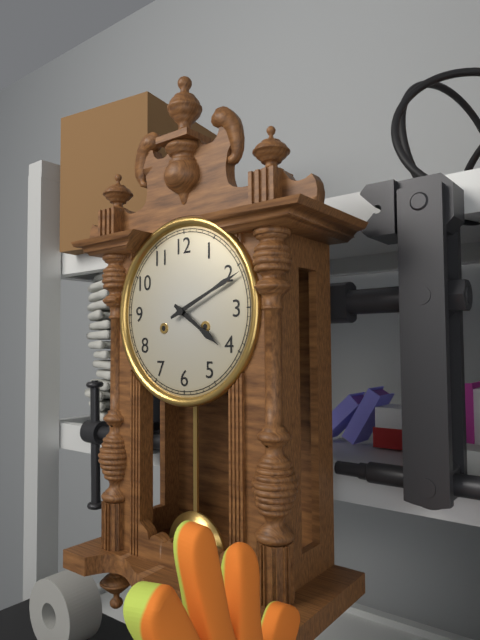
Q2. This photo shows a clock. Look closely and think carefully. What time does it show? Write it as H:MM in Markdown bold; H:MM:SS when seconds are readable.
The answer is **4:11**
